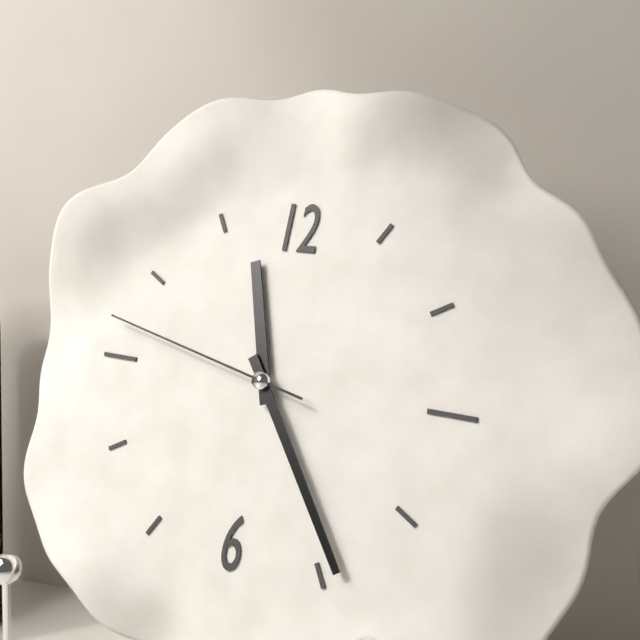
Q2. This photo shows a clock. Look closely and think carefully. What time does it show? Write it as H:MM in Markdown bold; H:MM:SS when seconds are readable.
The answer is **11:24:47**
